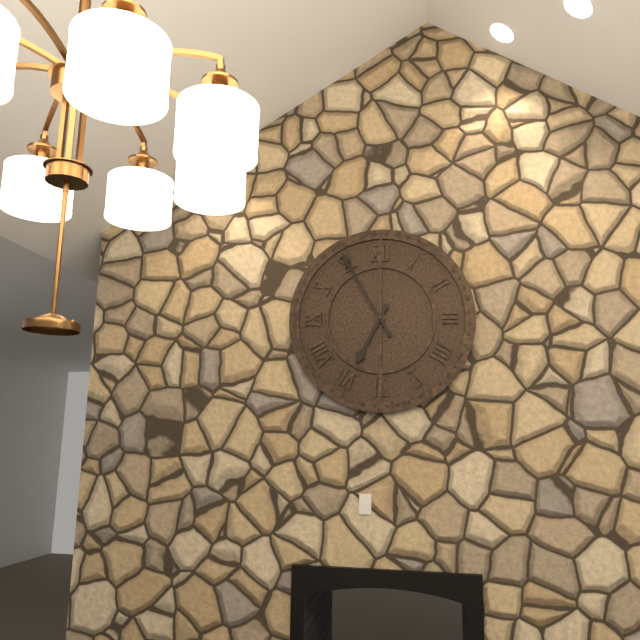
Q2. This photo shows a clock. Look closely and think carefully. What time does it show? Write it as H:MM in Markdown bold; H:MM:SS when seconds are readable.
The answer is **6:55**
